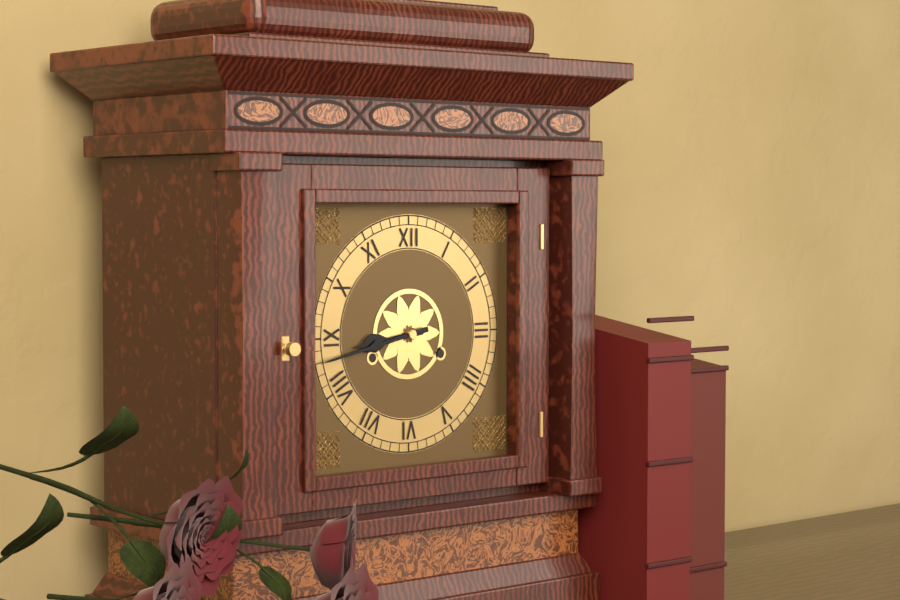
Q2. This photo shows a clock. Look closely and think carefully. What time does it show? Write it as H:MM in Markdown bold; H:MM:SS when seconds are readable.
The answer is **8:43**
